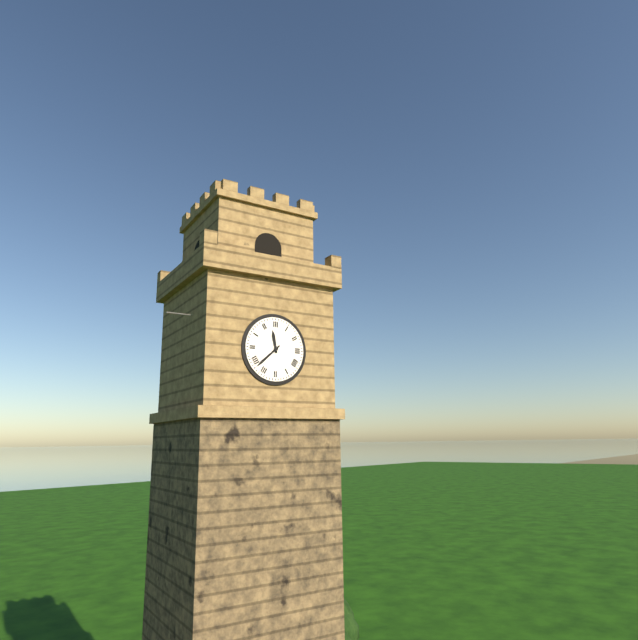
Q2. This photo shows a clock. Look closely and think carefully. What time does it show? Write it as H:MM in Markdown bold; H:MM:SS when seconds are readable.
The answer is **11:38**
